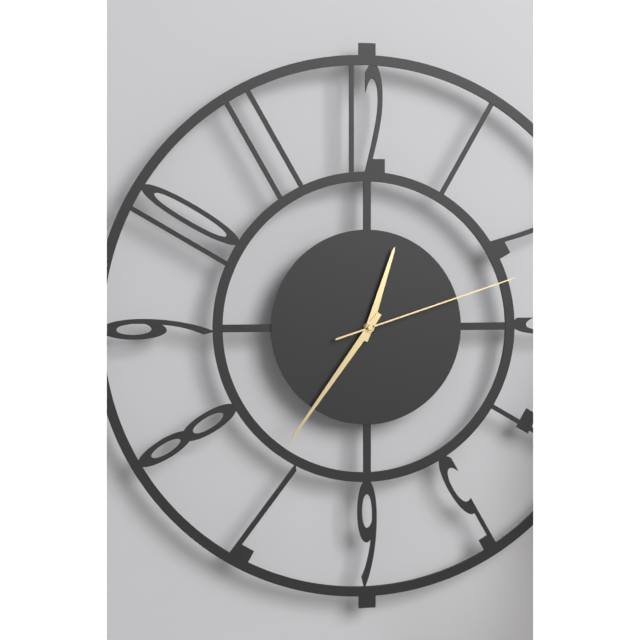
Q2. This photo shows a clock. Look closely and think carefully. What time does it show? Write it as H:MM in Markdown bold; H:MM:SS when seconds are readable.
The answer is **12:36:12**
